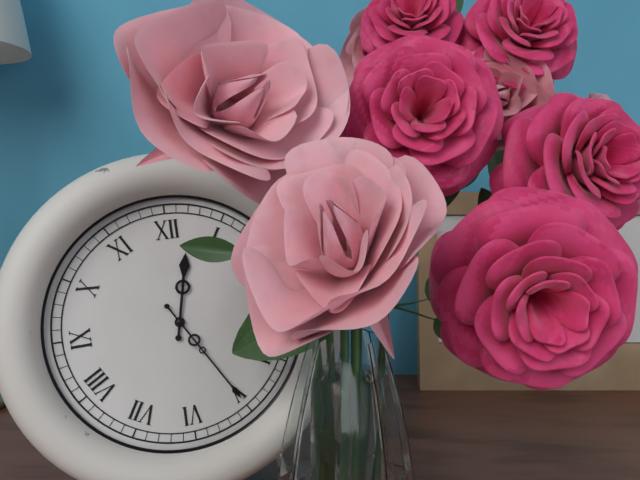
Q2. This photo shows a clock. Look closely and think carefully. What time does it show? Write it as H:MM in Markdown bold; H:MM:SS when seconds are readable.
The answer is **12:25**
